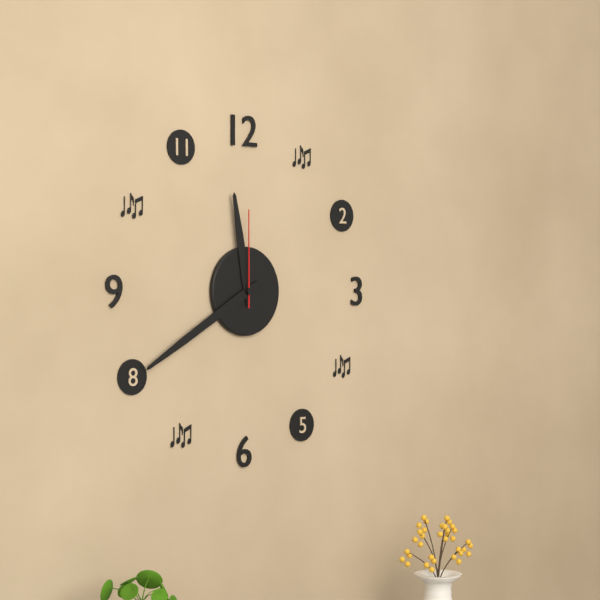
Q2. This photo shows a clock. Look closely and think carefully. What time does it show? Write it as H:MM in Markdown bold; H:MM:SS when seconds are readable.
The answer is **11:40:00**
